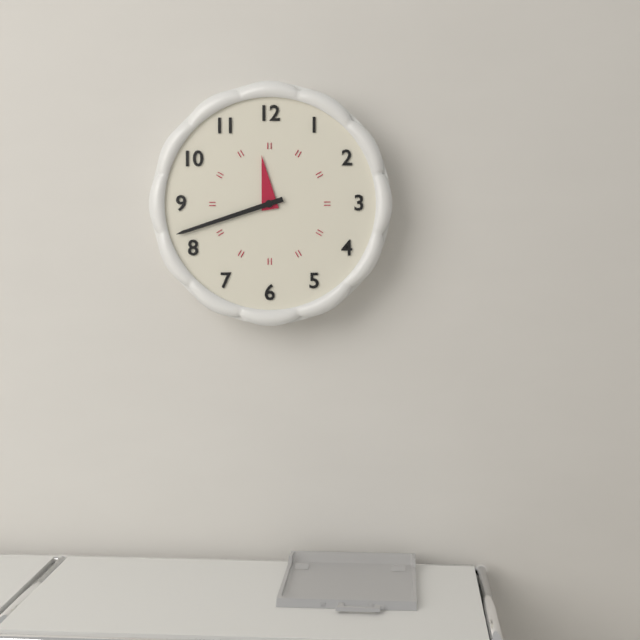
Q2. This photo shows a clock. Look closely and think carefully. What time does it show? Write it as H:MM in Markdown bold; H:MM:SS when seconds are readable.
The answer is **11:42**
